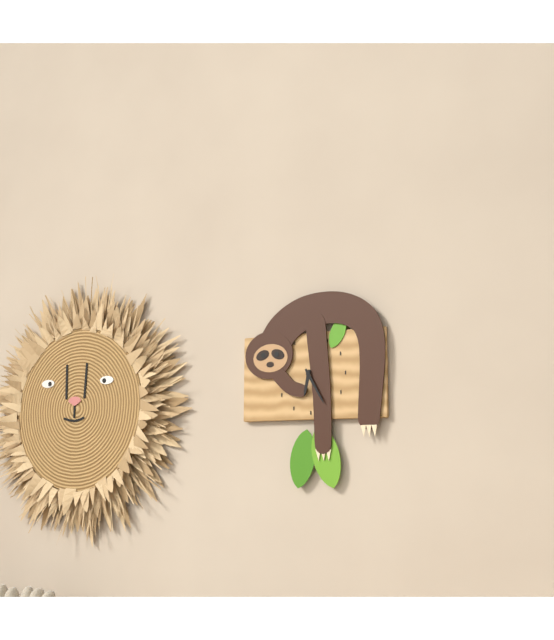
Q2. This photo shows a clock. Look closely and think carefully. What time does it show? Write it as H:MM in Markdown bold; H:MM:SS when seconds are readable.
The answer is **6:25**
